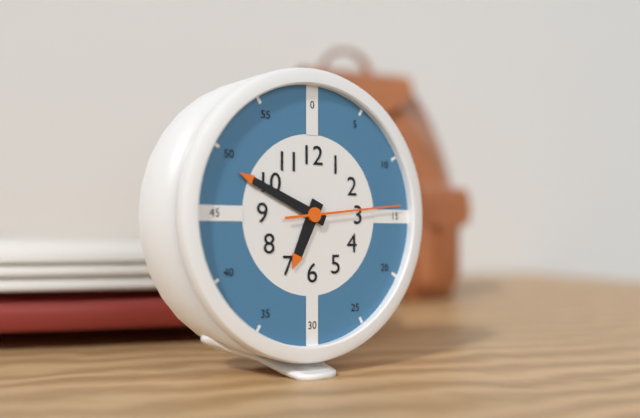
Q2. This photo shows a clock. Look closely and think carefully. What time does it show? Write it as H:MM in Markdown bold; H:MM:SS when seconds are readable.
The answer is **6:49:14**
